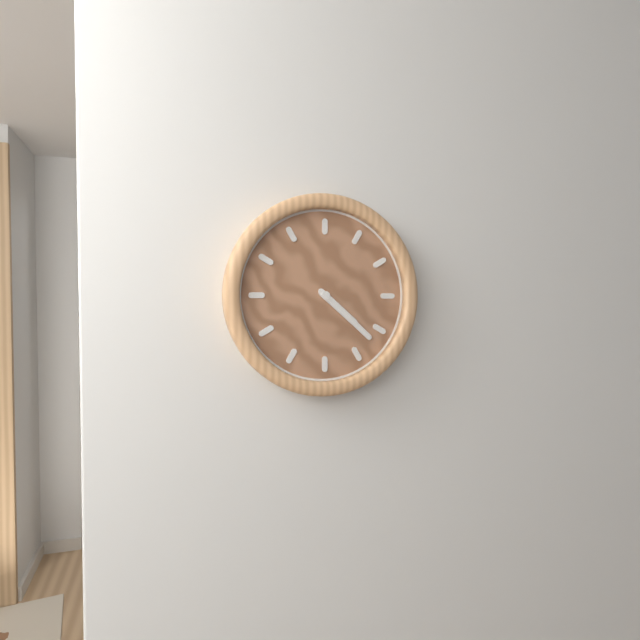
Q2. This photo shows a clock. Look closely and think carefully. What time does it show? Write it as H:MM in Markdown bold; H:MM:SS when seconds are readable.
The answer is **4:22**
